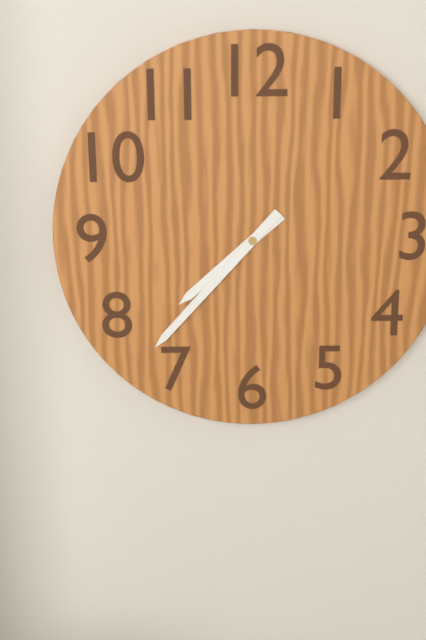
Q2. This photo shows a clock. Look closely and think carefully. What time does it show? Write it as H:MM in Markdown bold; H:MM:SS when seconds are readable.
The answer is **7:37**
